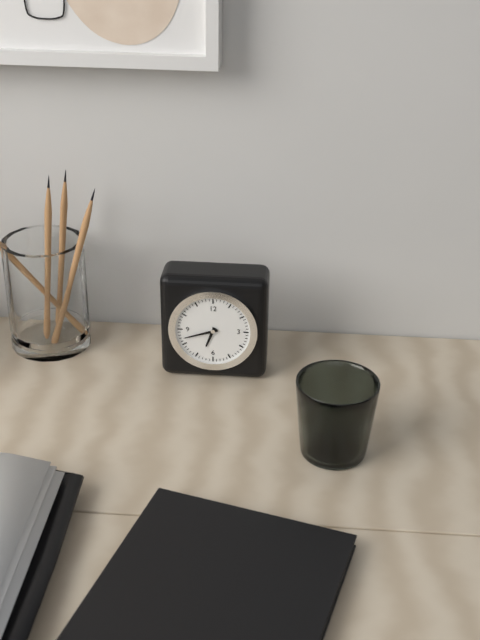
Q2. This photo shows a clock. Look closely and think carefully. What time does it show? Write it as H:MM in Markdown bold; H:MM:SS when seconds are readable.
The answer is **6:42**
